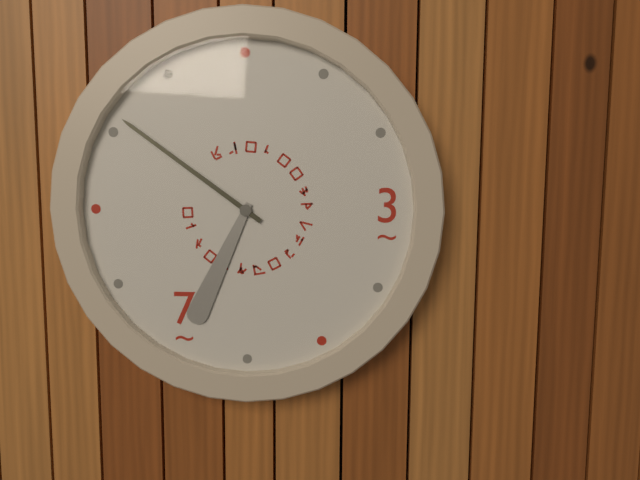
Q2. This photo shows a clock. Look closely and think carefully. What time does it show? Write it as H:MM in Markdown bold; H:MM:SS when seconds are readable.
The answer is **6:51**
